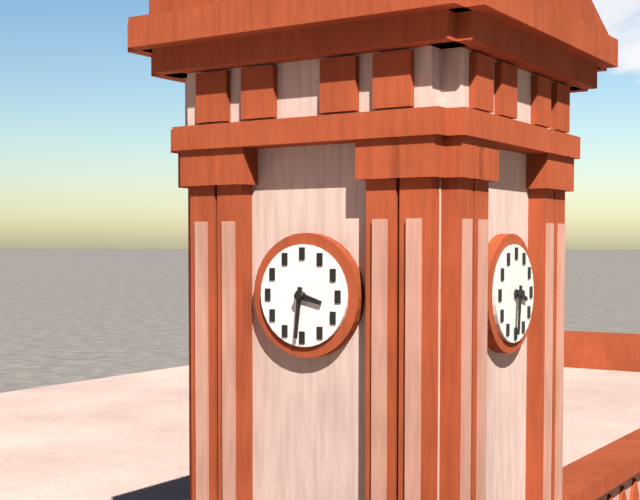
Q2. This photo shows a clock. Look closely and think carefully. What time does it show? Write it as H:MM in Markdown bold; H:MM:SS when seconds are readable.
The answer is **3:31**
